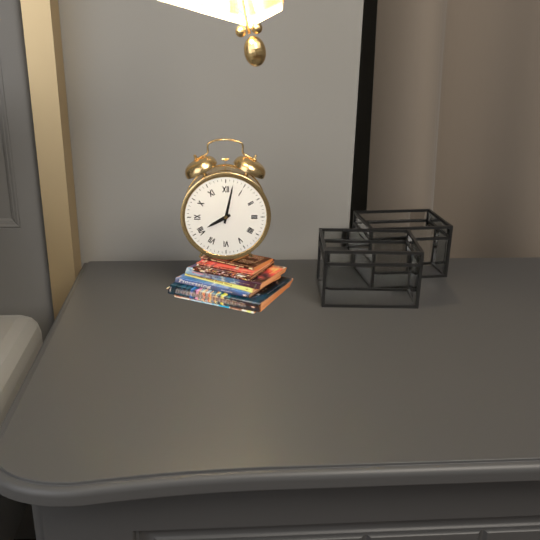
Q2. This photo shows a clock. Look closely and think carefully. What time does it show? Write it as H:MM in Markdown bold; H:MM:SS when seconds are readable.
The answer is **8:02**
